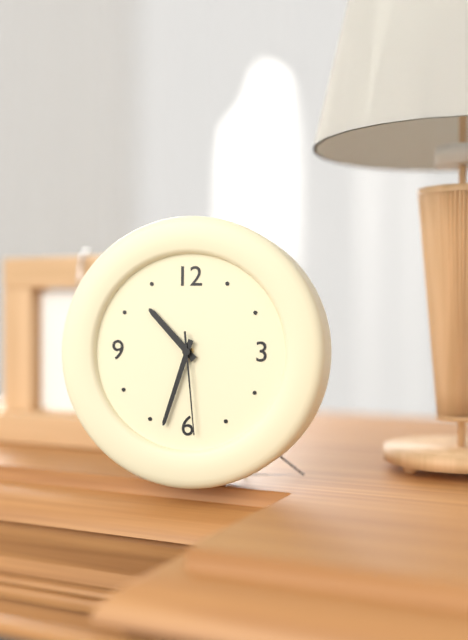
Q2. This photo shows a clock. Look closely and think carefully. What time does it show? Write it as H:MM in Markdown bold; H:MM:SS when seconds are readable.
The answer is **10:33:29**
